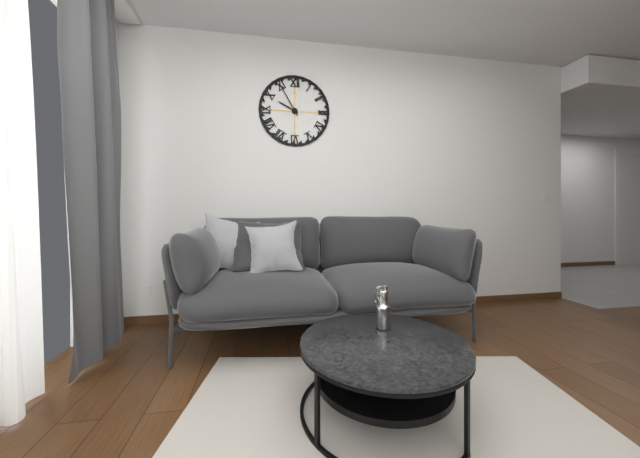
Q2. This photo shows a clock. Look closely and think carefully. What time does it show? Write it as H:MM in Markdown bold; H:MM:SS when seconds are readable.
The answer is **9:55**
